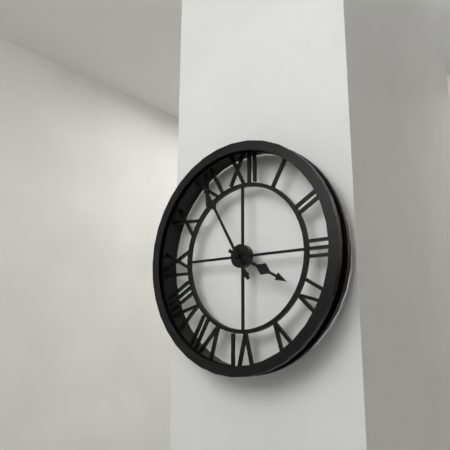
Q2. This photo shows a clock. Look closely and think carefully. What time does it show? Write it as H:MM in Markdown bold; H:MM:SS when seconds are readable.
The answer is **3:55**
